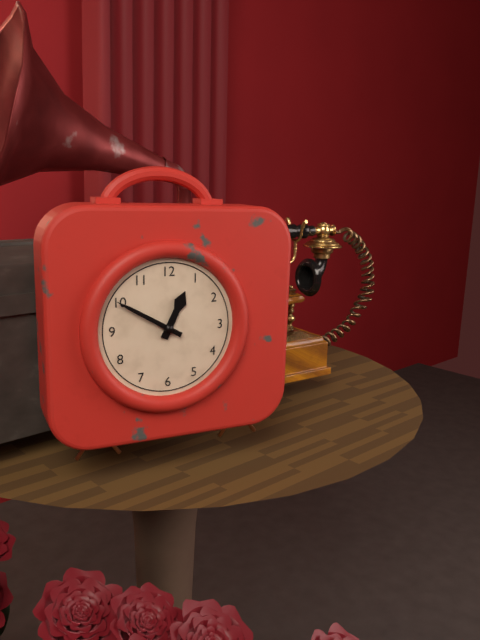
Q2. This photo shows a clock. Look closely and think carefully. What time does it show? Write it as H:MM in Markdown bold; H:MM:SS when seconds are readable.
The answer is **12:50**
